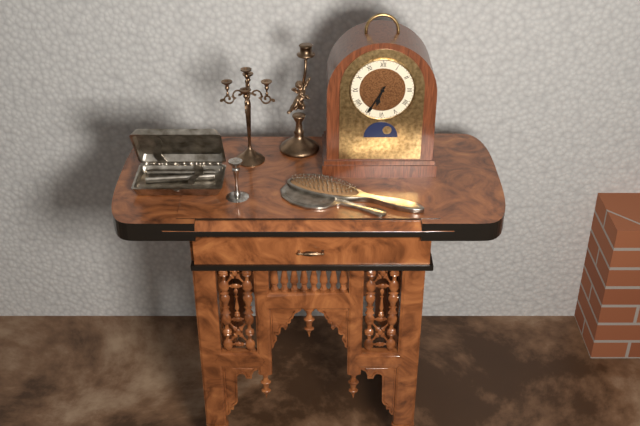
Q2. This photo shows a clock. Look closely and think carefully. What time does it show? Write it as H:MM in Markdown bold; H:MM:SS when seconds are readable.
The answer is **6:35**
